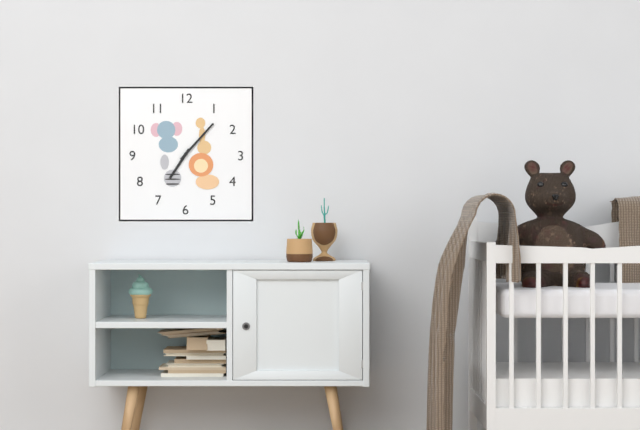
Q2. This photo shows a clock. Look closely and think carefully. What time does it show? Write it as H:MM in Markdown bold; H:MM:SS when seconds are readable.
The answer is **7:07**
